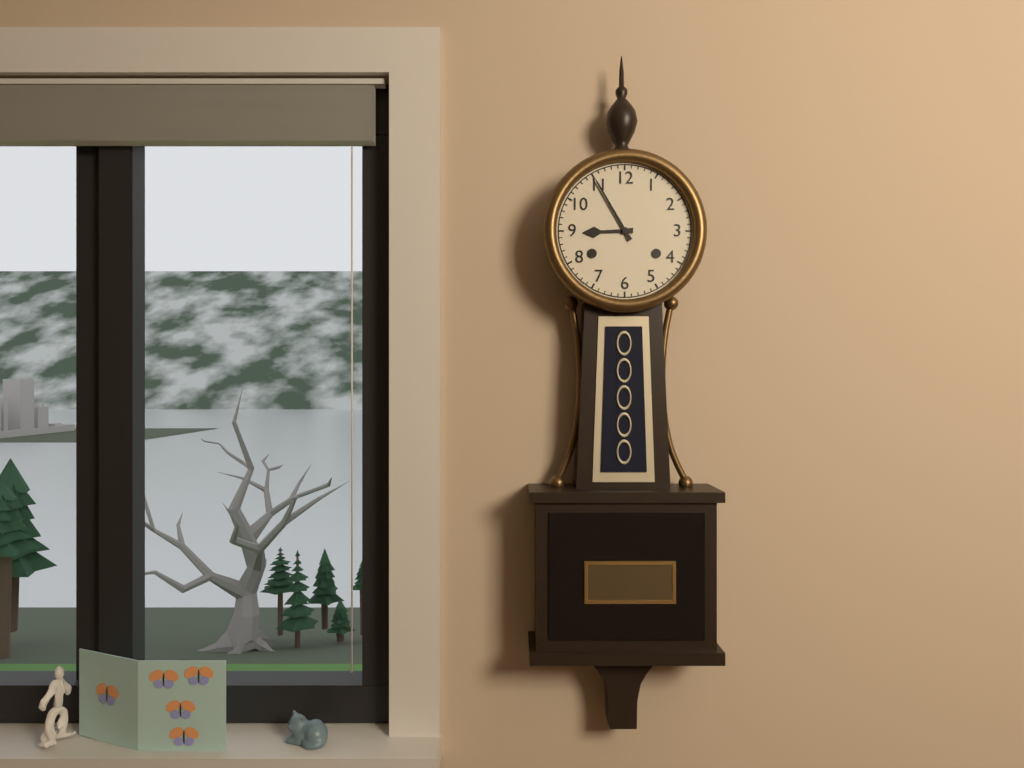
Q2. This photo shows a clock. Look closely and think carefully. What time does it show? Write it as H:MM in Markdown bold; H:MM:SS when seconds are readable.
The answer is **8:55**
